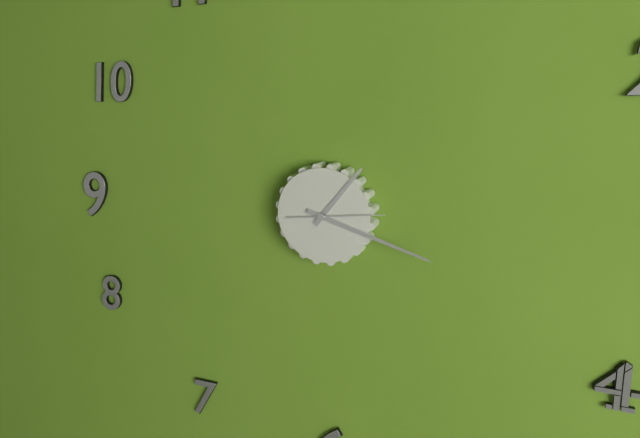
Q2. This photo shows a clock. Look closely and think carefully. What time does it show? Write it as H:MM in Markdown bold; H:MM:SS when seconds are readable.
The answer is **1:18:14**
